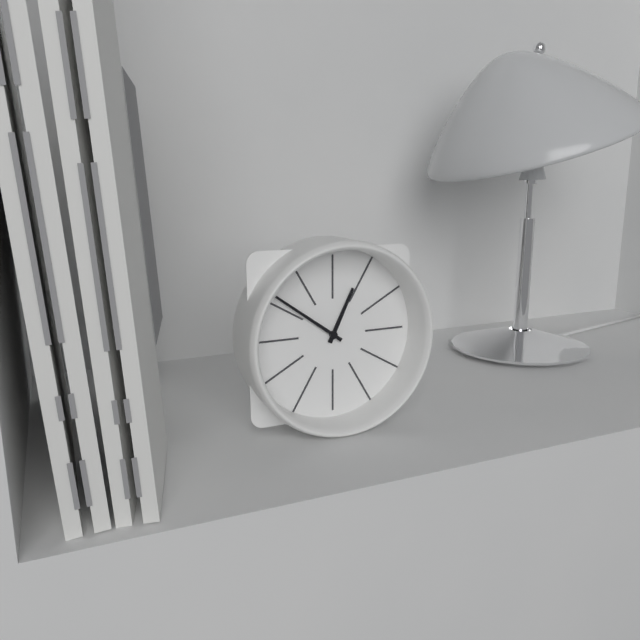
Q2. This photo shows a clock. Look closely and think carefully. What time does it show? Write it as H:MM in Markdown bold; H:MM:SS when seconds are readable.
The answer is **12:51**
